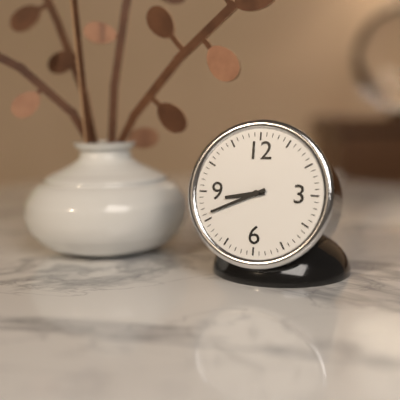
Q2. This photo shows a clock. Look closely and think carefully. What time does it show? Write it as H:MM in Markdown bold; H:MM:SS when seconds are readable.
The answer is **8:41**
